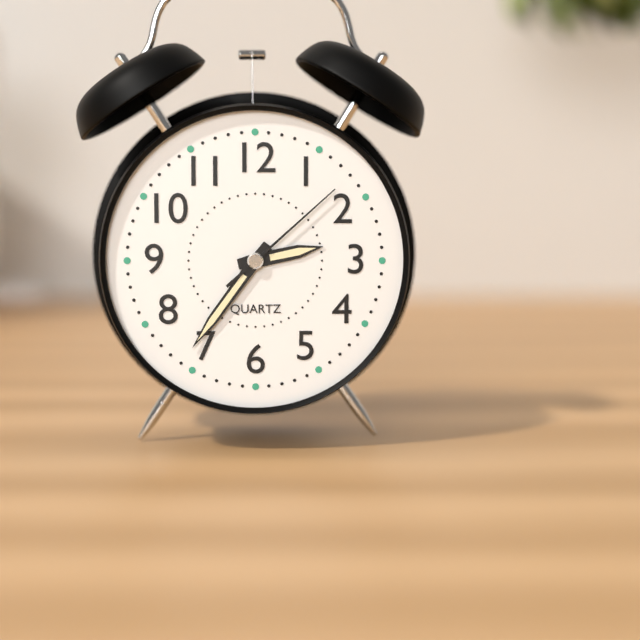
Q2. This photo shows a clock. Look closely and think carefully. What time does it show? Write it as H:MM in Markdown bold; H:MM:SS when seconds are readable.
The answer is **2:36:08**
